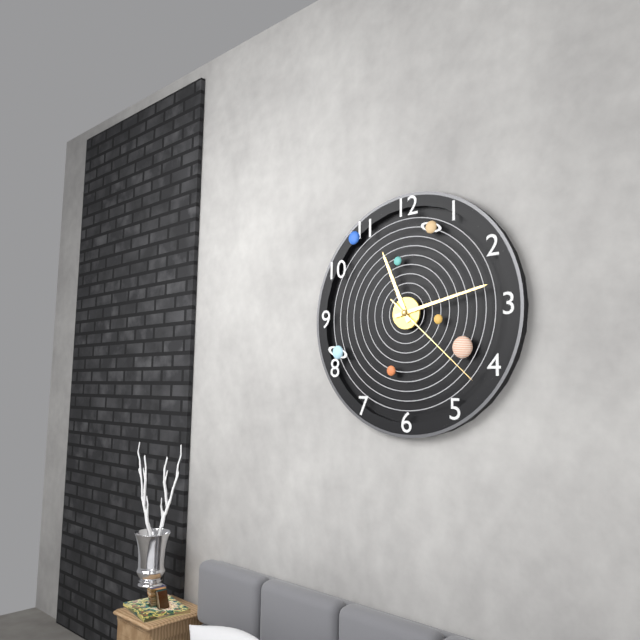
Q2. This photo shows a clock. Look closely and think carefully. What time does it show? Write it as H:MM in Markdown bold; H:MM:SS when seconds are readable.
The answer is **11:13:22**
